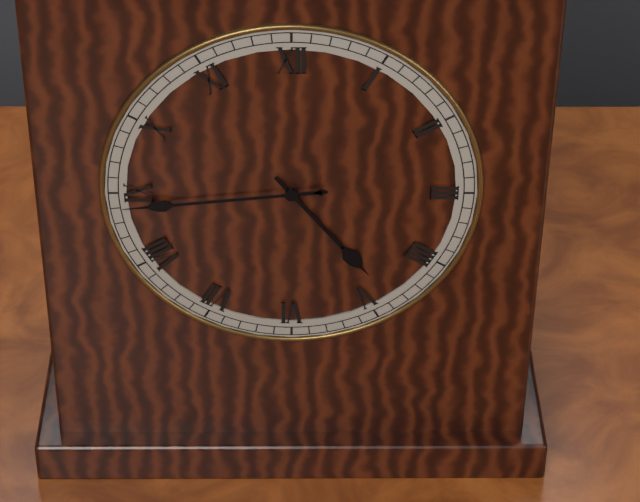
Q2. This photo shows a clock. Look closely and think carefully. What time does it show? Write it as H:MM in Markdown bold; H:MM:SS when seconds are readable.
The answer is **4:44**
